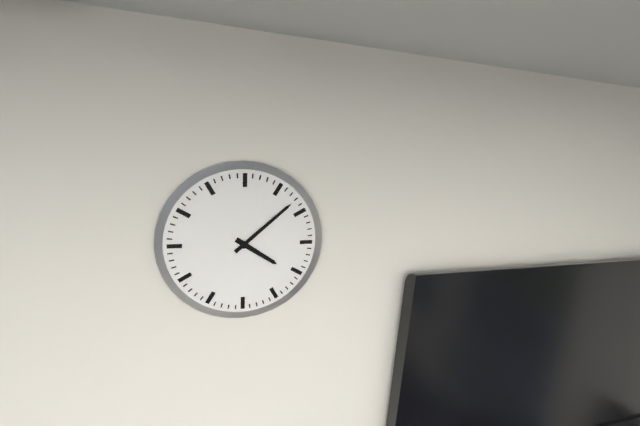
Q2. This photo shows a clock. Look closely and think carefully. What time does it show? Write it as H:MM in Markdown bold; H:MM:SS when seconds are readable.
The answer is **4:08**
